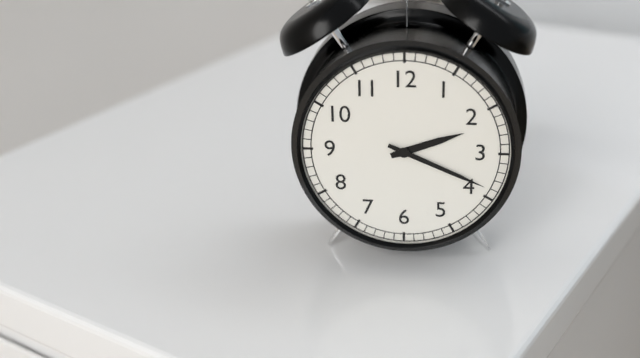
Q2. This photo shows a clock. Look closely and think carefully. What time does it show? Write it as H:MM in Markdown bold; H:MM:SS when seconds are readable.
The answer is **2:19**
